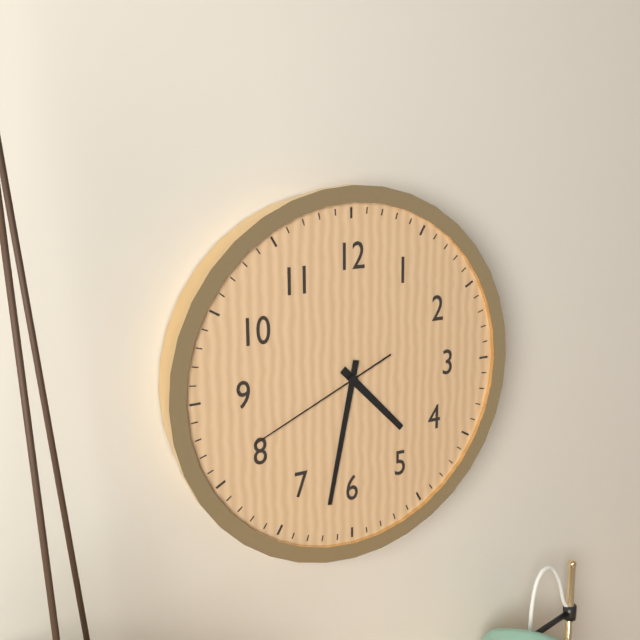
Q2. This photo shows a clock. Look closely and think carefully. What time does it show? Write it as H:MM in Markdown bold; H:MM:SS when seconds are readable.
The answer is **4:32:41**
